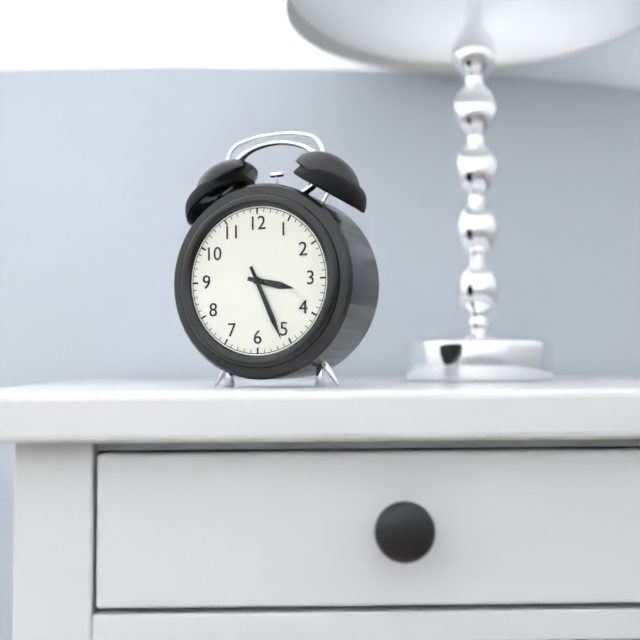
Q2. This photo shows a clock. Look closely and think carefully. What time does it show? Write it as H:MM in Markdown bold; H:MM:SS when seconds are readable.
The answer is **3:26**
